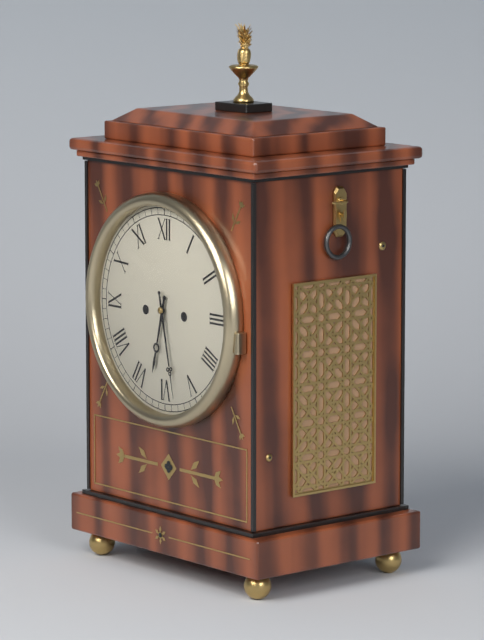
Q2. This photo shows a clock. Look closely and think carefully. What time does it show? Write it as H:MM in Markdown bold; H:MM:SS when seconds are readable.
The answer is **6:28**
